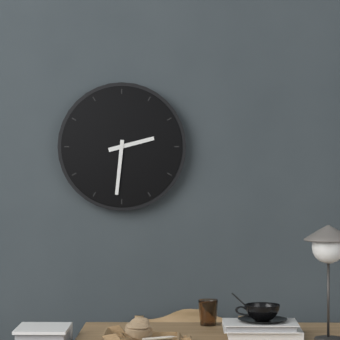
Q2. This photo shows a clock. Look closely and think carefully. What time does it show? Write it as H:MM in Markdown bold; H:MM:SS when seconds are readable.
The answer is **2:31**
